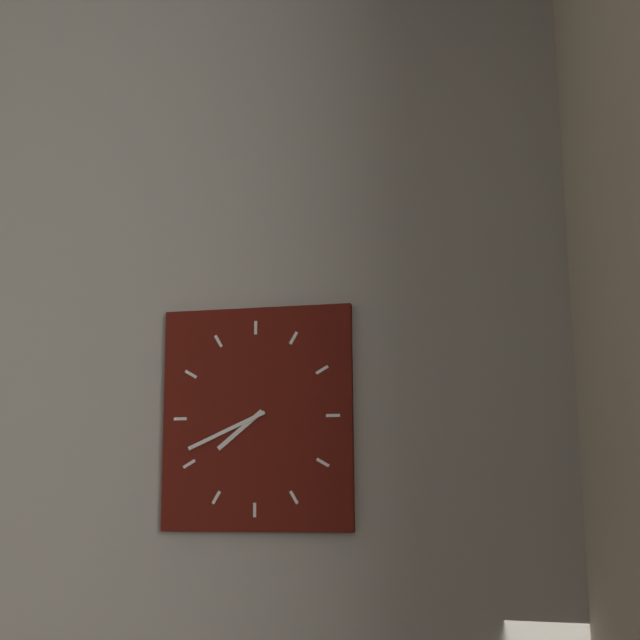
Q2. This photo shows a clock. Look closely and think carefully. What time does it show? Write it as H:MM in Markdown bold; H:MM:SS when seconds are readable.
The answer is **7:41**
